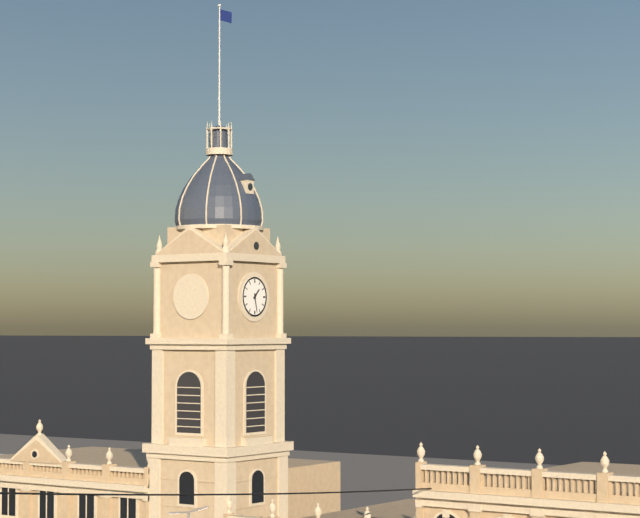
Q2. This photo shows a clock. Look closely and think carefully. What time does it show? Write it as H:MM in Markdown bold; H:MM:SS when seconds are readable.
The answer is **1:28**
